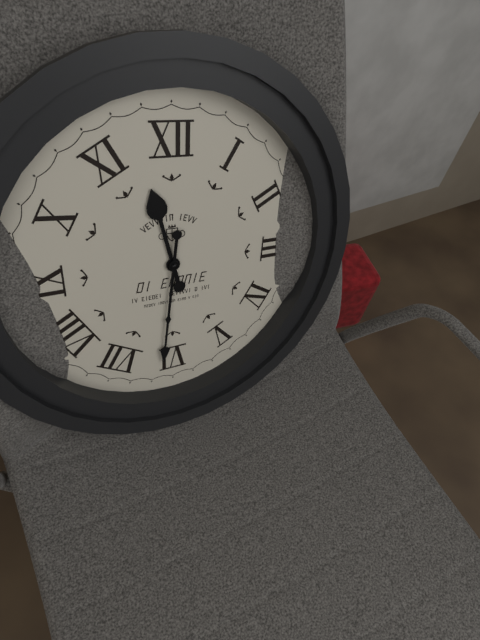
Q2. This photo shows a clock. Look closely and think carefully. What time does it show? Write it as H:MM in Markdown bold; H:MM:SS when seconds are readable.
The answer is **11:31**
